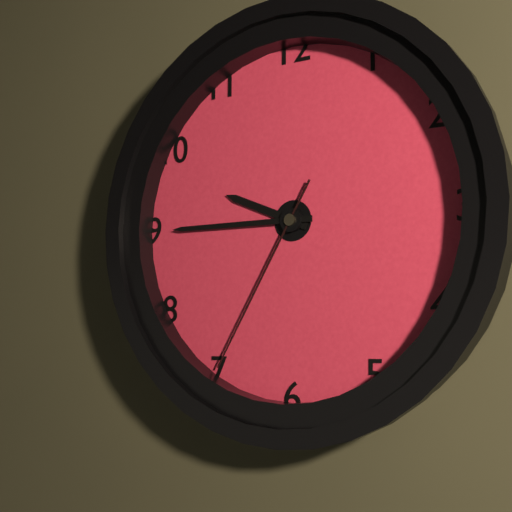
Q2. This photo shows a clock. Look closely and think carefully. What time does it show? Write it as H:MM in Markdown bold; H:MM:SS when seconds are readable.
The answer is **9:45:35**
